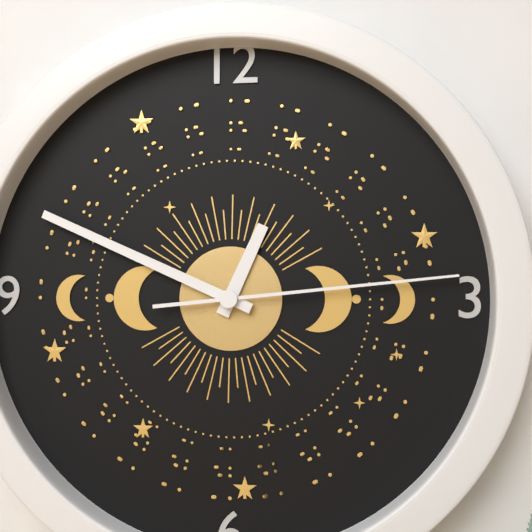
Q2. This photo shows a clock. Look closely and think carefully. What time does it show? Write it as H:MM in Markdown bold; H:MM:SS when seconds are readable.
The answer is **12:49:14**
